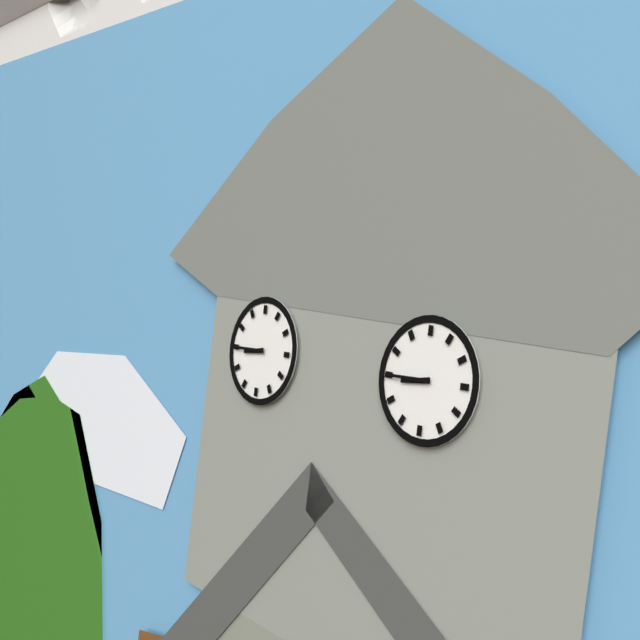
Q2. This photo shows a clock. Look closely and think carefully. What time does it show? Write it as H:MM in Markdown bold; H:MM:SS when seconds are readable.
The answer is **8:45**
